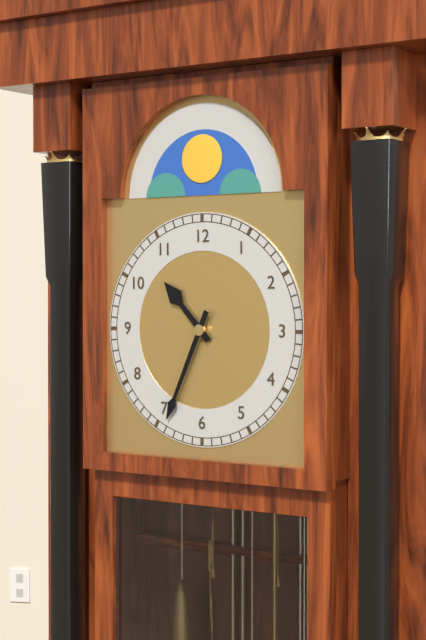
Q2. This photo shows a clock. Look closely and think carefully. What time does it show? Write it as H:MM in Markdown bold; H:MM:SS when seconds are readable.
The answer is **10:34**
